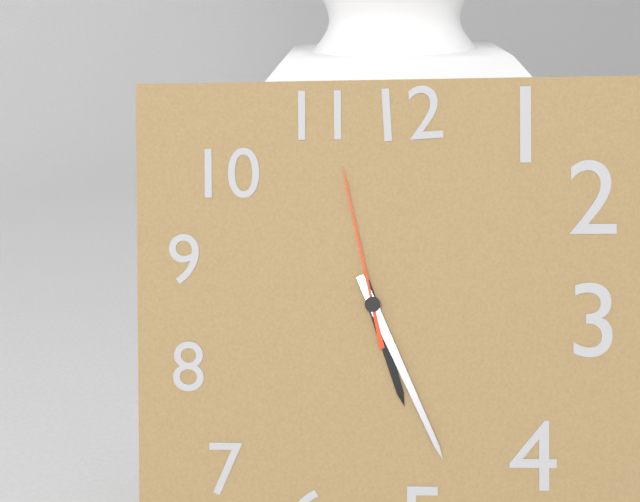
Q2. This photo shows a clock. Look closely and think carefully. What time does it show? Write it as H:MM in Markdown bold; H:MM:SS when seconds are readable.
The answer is **5:26:58**
